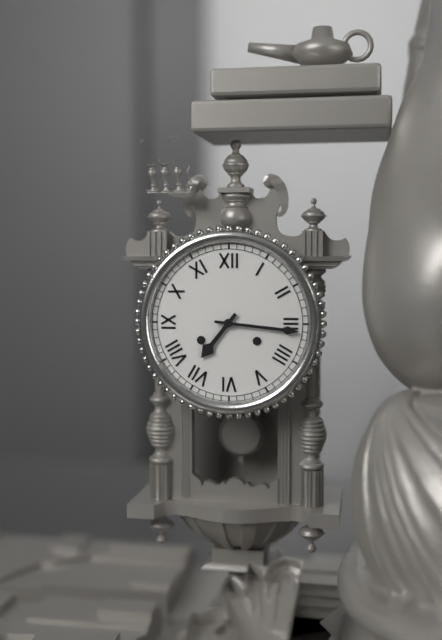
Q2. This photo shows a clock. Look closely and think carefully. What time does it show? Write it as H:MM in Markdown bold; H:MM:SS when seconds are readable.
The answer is **7:16**
